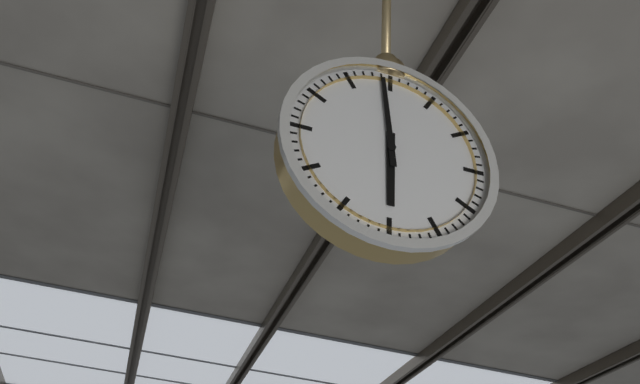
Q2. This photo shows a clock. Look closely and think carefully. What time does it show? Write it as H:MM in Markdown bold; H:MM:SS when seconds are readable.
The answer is **5:59**
